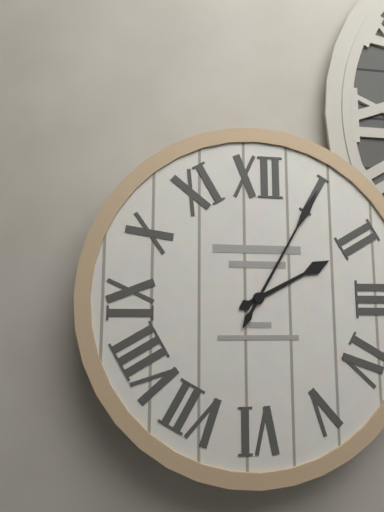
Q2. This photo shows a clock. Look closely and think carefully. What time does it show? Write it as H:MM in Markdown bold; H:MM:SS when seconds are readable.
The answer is **2:05**
